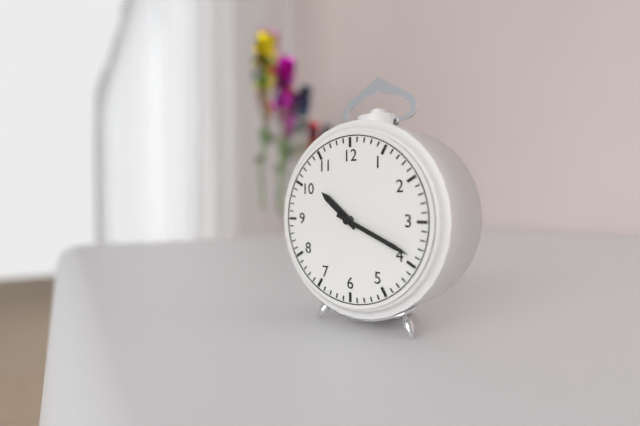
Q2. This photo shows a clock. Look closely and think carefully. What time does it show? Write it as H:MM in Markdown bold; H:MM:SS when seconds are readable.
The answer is **10:19**
